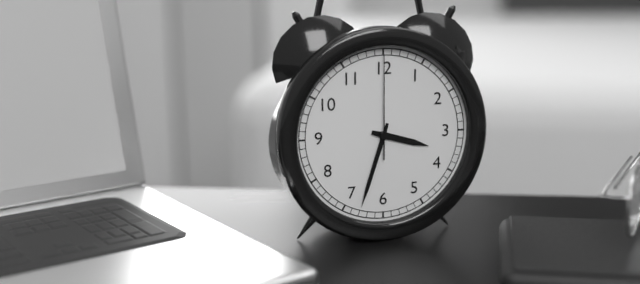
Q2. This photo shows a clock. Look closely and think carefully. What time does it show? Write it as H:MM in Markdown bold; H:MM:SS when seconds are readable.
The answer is **3:33:00**
